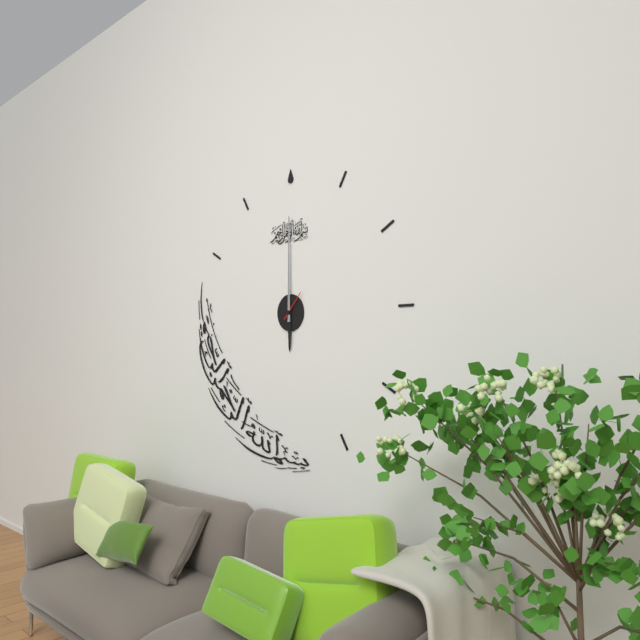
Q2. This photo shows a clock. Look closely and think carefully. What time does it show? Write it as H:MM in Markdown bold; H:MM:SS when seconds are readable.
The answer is **6:00**
